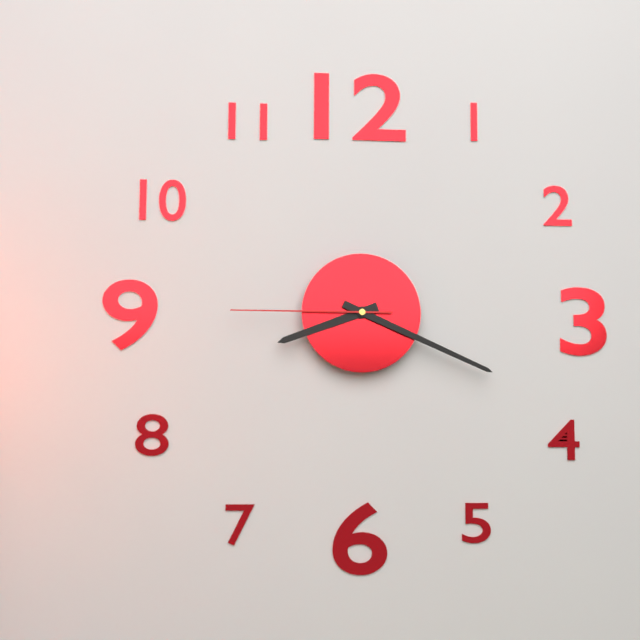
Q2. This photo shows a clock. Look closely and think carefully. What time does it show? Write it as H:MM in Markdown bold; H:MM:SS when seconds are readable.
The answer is **8:19:45**
